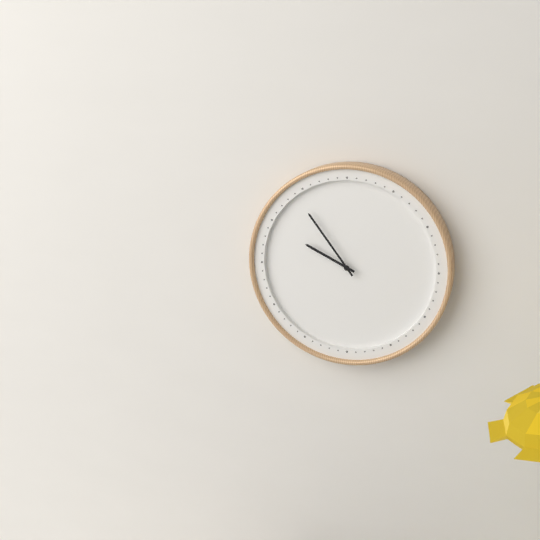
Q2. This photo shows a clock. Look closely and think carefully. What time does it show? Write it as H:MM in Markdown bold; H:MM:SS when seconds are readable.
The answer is **9:54**
